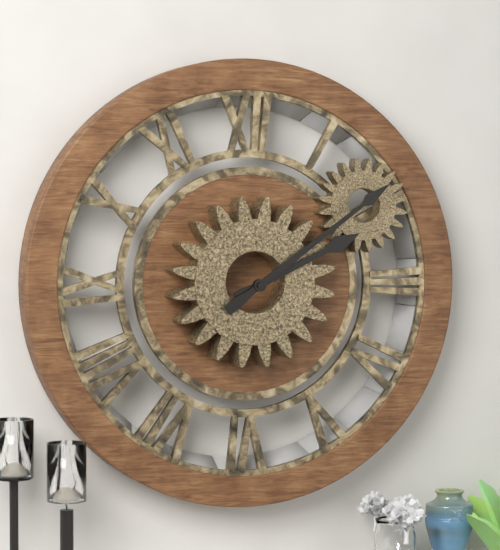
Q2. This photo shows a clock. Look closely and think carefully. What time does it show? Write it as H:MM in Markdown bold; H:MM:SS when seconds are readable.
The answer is **2:09**
